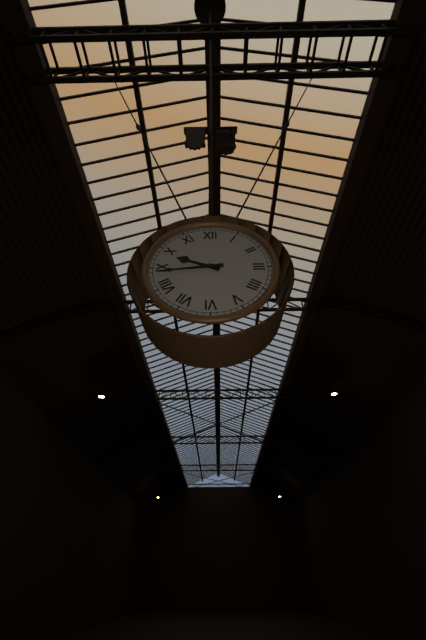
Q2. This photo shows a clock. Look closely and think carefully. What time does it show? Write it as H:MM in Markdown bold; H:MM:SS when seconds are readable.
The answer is **9:44**
